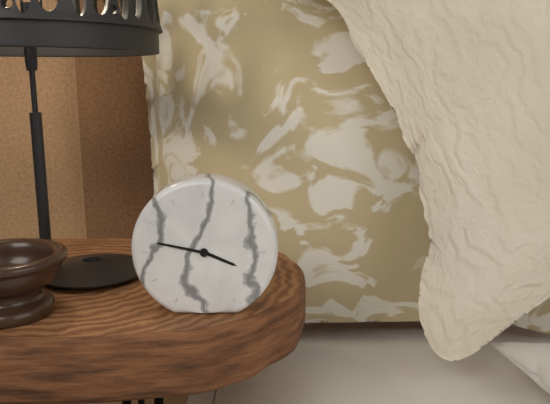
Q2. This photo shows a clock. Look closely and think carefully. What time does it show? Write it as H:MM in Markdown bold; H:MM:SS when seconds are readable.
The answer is **3:47**
